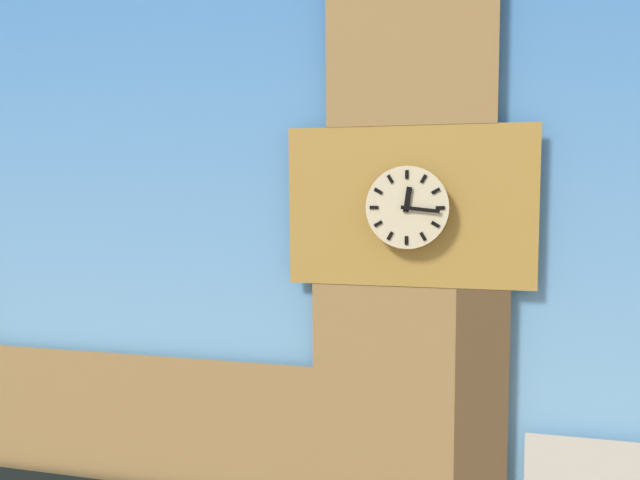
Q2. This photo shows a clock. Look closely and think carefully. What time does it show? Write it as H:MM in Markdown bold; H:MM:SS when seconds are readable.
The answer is **12:16**
